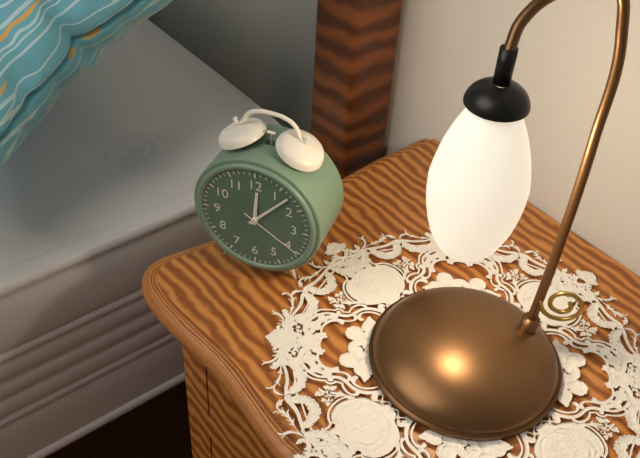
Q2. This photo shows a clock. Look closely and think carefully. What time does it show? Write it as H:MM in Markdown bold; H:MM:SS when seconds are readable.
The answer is **12:07:20**
